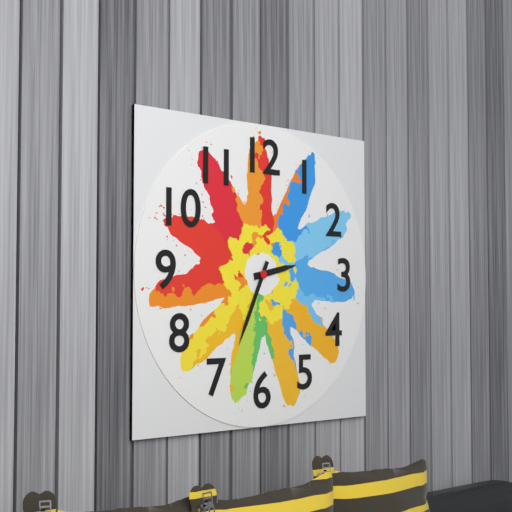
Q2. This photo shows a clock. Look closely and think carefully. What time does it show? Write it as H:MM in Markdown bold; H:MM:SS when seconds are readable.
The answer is **2:34**
